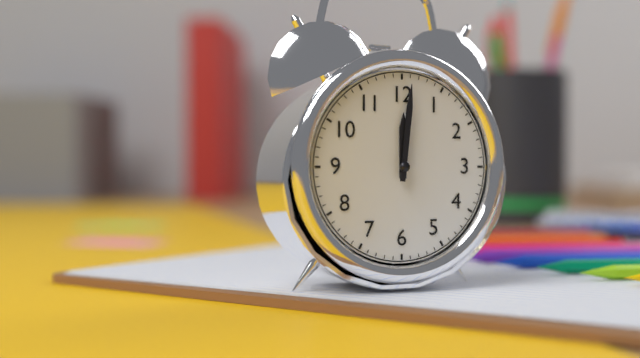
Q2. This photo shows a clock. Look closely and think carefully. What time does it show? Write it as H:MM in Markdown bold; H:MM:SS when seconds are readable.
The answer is **12:01**
